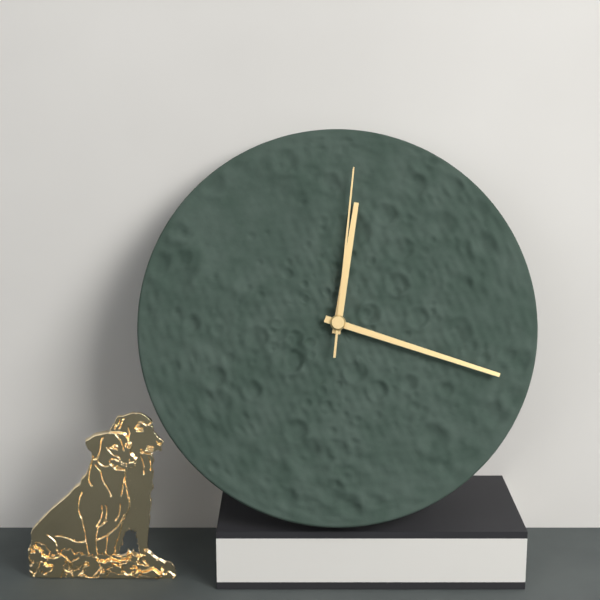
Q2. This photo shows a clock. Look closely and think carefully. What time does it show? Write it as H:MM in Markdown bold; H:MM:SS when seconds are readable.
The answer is **12:18:01**
